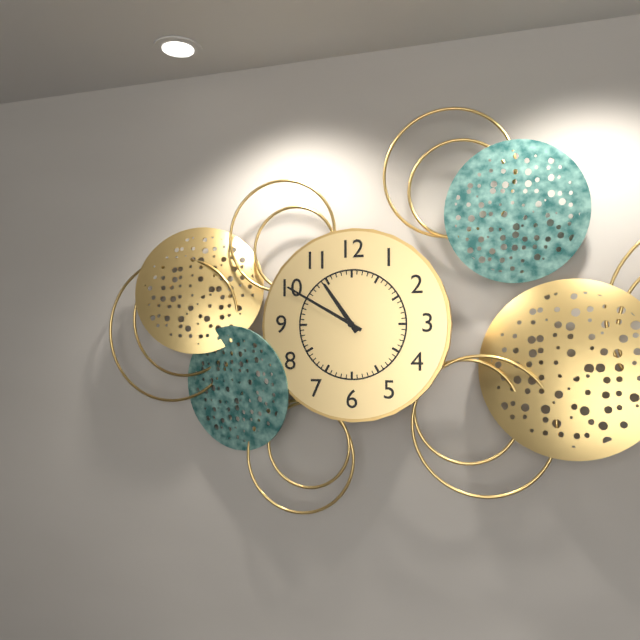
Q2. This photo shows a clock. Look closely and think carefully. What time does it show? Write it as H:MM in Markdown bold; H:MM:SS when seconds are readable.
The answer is **10:50**
